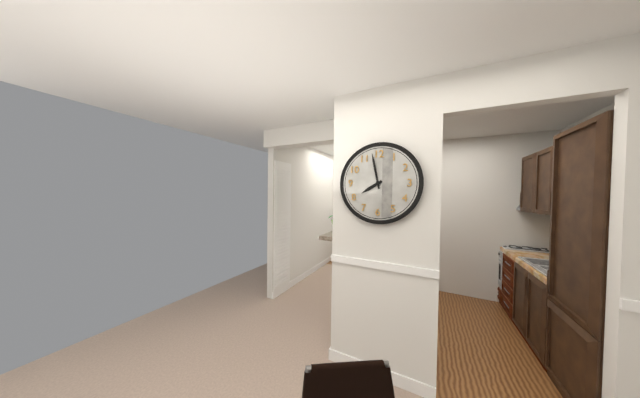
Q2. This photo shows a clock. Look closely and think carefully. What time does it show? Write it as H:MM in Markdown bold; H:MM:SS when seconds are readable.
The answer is **7:58**
